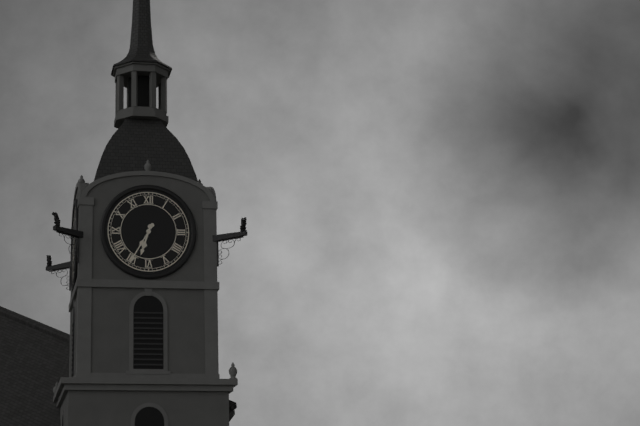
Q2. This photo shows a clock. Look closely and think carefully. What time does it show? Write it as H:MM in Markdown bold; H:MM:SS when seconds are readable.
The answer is **6:35**
